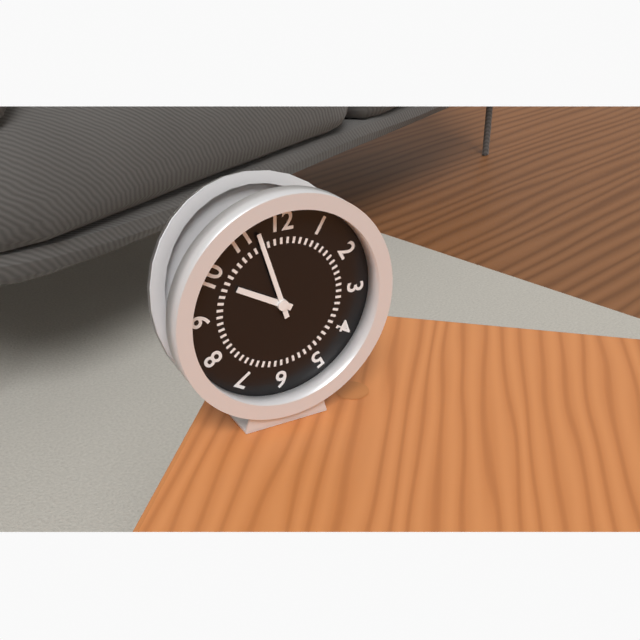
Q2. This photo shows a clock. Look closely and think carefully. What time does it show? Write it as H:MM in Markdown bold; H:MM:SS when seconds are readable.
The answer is **9:57**
